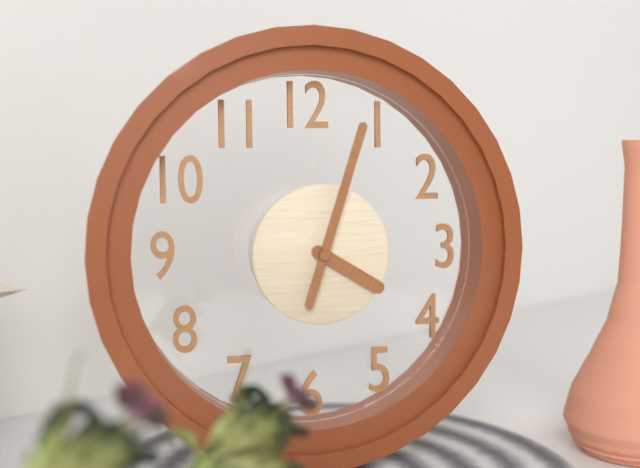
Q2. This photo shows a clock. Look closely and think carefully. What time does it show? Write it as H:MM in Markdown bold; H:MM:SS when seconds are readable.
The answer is **4:03**
